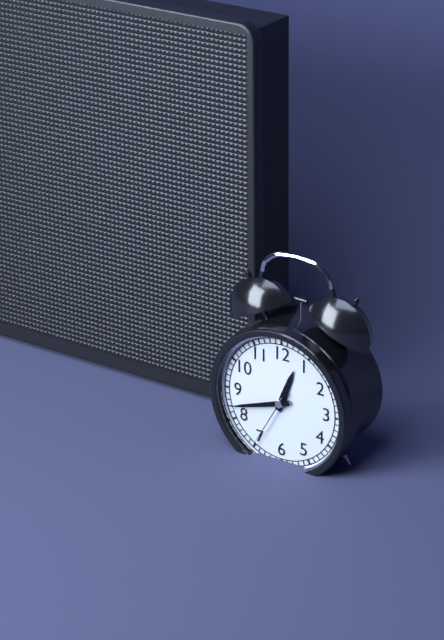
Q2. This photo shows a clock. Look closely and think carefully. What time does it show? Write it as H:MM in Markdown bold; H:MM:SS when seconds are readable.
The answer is **12:42:35**
